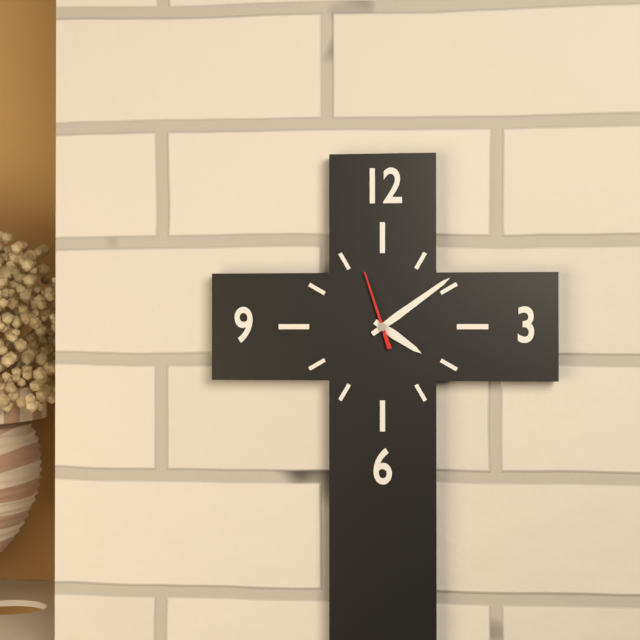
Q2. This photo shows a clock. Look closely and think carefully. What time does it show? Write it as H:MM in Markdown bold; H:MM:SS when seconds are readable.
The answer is **4:09:57**
